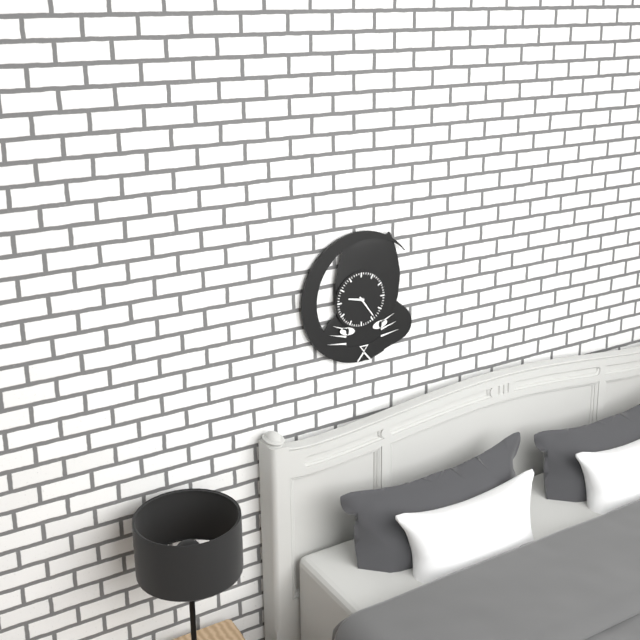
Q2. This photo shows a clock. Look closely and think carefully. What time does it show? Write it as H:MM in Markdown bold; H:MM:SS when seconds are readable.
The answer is **9:24**
